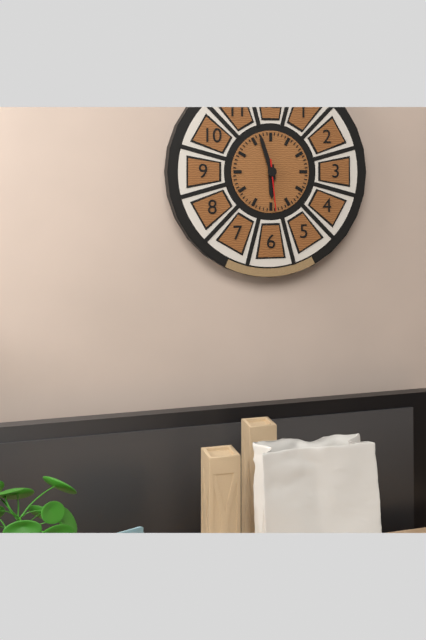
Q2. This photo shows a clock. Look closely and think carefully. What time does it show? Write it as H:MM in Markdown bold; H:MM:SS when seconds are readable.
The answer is **5:57**
